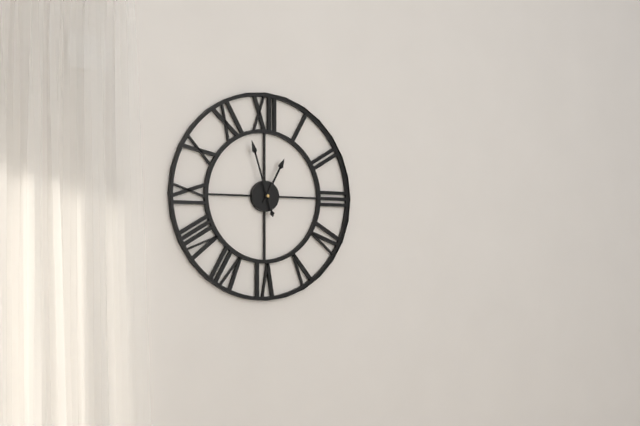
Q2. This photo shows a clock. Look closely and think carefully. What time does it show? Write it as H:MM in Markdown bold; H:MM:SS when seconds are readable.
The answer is **12:57**
